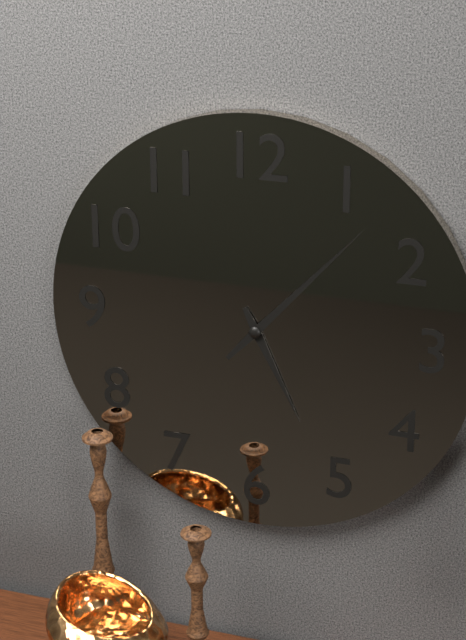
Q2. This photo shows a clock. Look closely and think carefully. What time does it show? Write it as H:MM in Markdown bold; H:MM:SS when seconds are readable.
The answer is **5:07**
